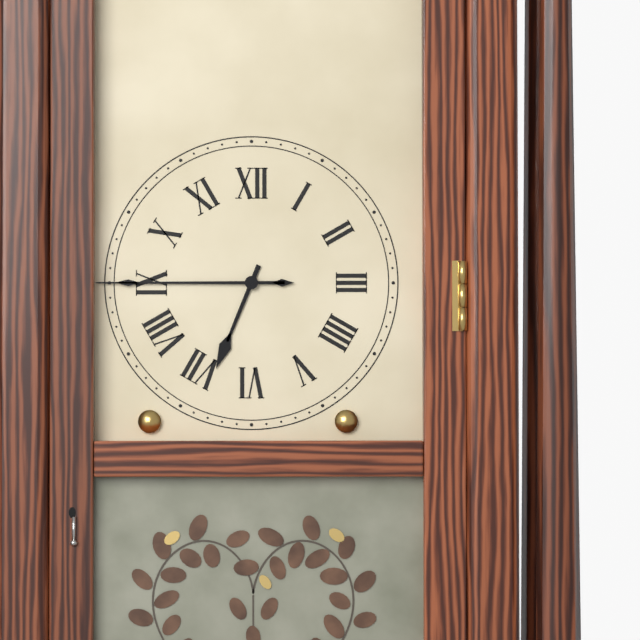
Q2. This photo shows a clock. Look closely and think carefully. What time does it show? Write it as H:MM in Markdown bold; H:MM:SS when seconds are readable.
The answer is **6:45**
